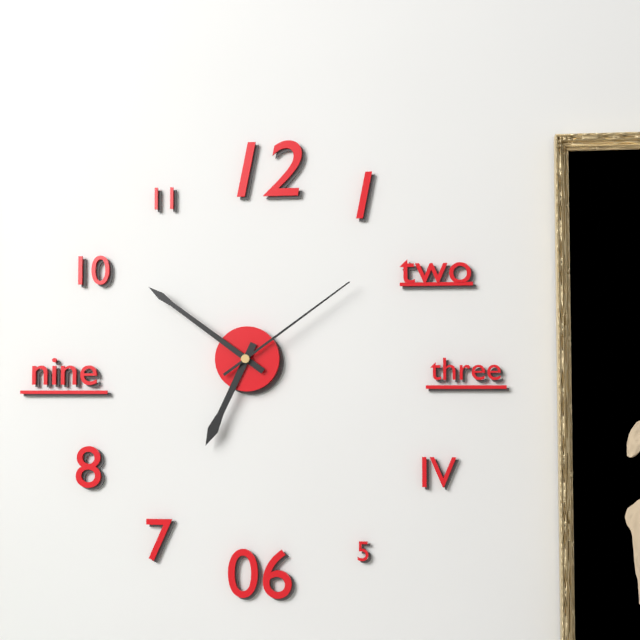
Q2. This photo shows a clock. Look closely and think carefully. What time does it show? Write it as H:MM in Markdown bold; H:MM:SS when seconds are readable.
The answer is **6:51:09**
